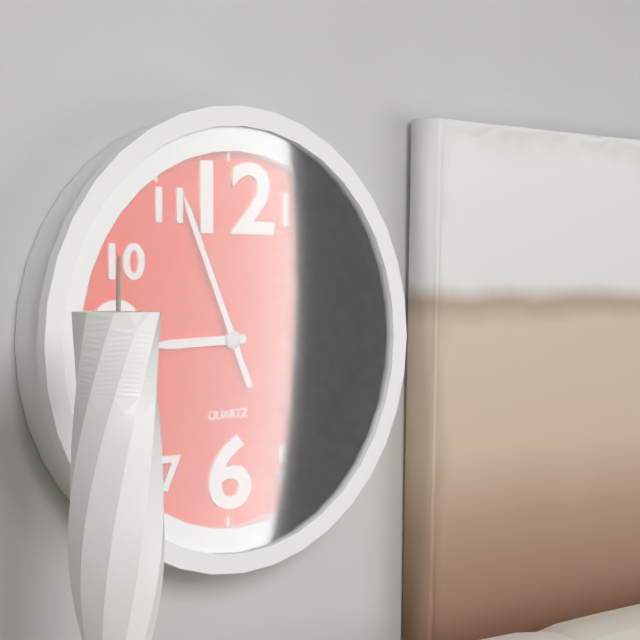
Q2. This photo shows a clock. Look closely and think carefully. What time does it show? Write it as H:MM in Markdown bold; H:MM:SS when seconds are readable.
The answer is **8:56**
